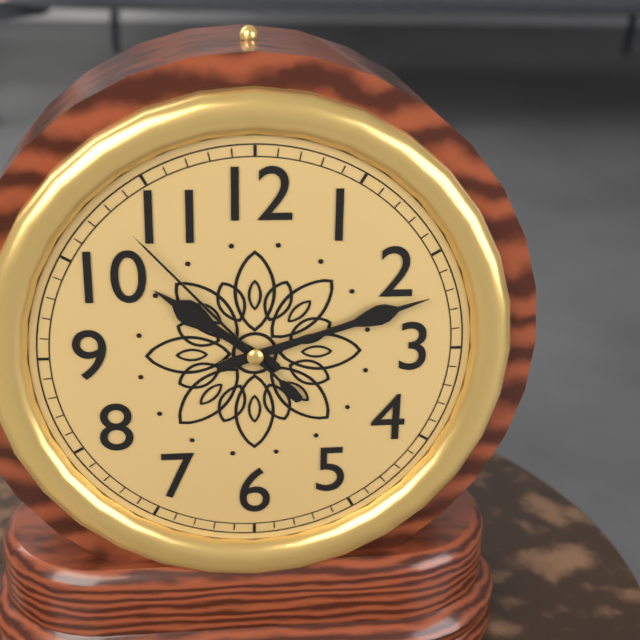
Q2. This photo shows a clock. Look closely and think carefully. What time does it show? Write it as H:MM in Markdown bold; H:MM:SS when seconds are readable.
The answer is **10:12:53**
